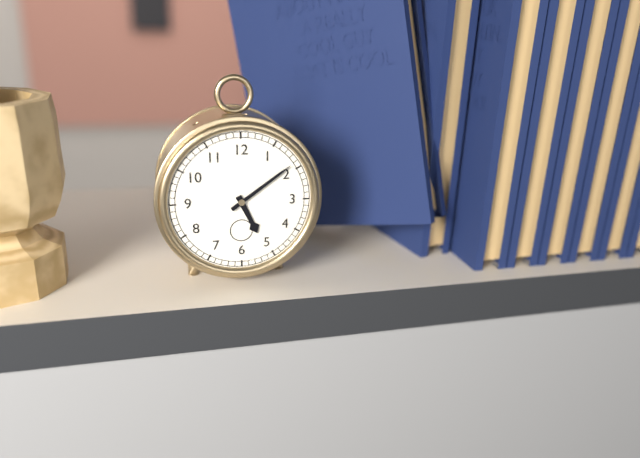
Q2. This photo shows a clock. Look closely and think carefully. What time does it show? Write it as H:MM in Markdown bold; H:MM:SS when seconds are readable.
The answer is **5:09**
